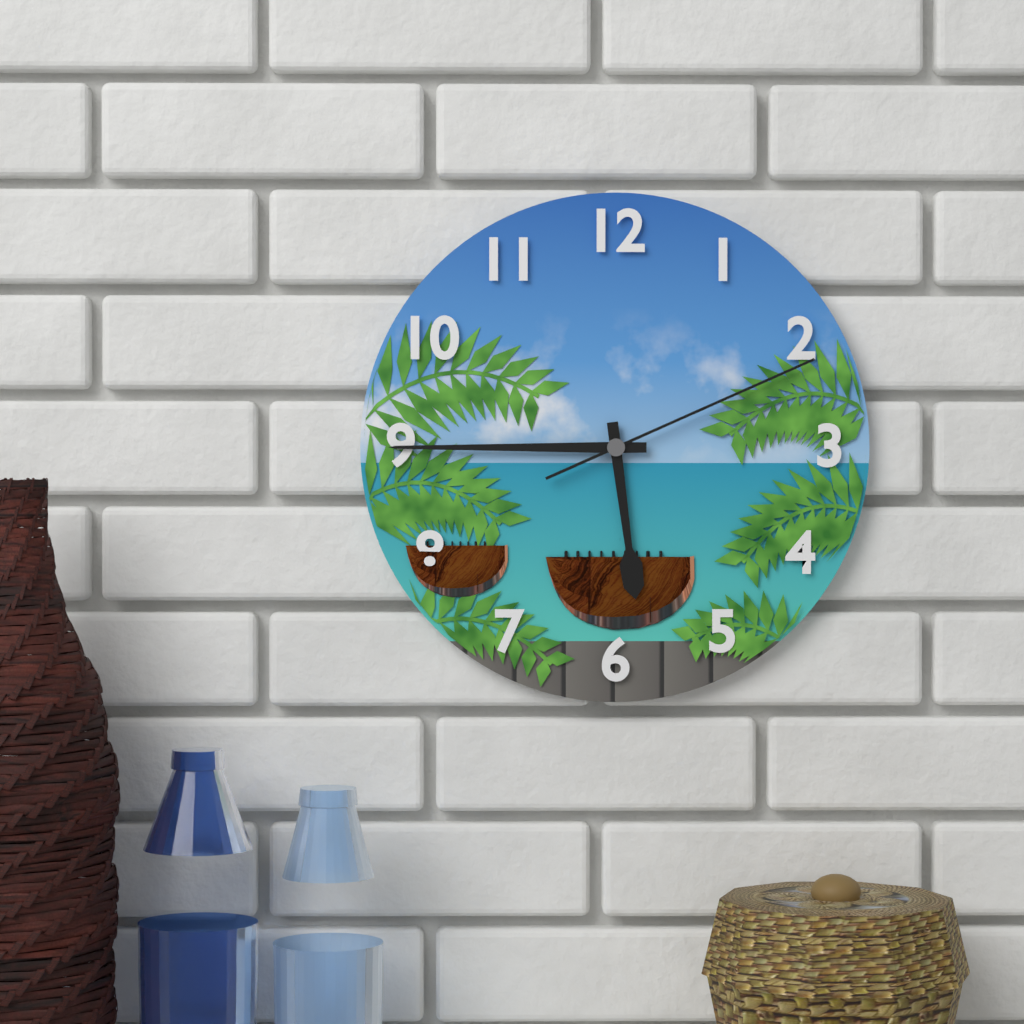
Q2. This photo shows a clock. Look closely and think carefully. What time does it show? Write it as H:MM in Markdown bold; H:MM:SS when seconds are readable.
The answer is **5:45:11**
